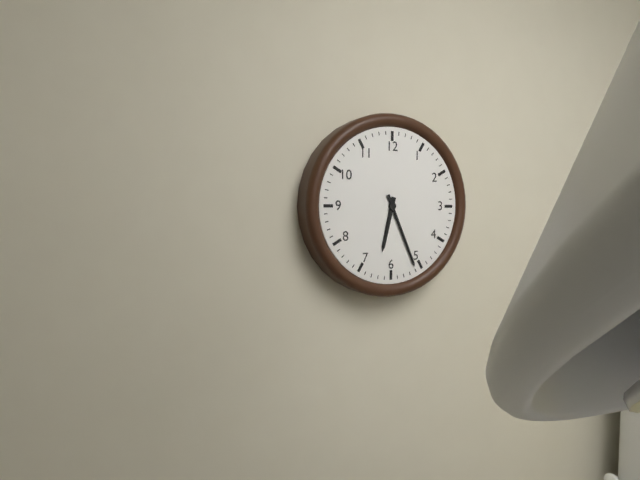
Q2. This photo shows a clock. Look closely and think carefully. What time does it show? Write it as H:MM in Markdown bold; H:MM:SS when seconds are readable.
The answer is **6:26**
